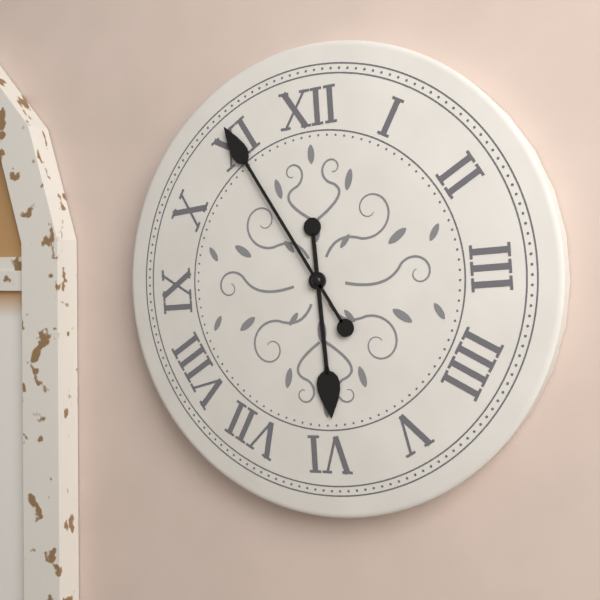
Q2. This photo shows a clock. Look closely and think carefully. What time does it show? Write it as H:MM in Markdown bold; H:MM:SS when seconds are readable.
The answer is **5:55**
